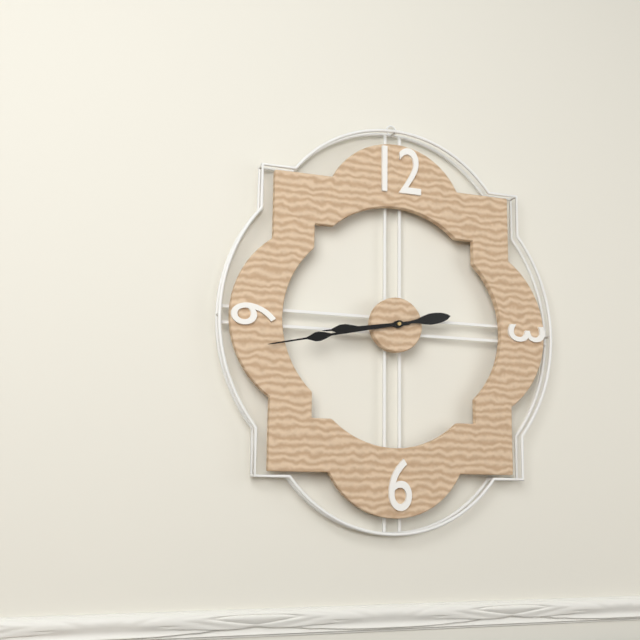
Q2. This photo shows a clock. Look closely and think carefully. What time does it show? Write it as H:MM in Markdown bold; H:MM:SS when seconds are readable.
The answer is **8:43**
